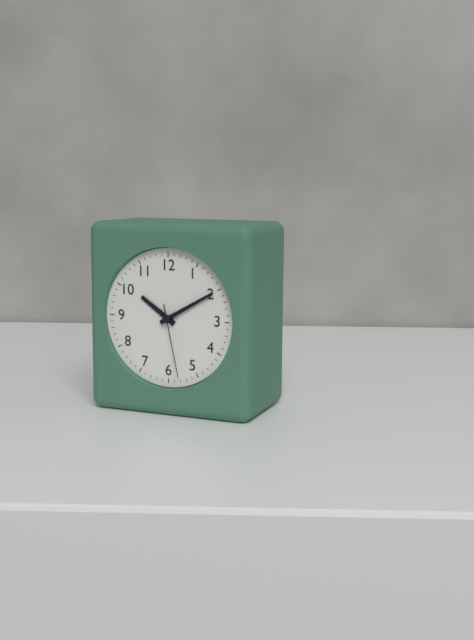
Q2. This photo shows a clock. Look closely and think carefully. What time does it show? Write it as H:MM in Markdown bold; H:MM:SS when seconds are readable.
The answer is **10:10:28**
